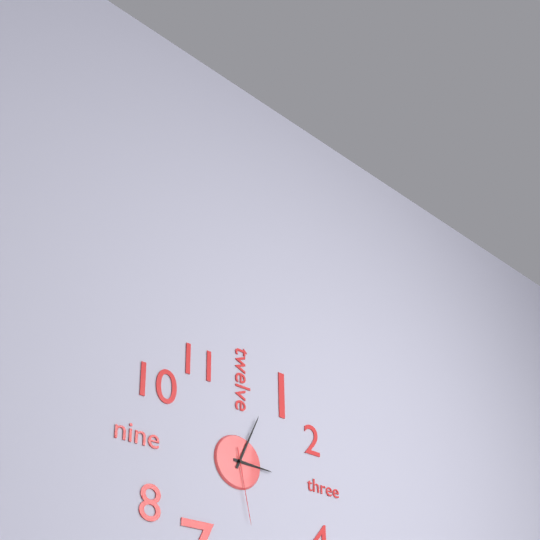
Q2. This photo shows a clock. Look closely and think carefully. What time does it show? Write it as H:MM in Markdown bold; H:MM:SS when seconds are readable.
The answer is **3:04:28**
